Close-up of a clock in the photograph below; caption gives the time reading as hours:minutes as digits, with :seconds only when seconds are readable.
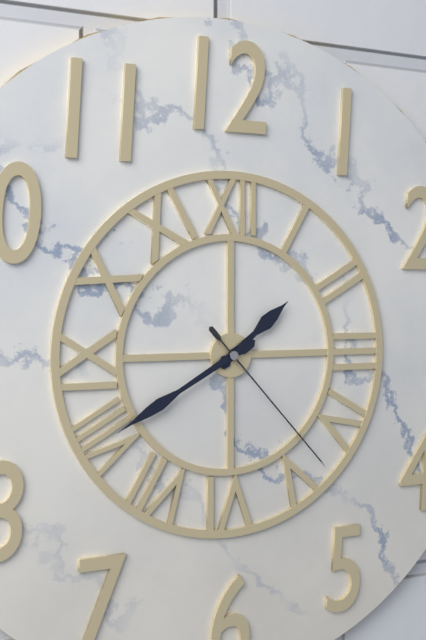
1:40:23
